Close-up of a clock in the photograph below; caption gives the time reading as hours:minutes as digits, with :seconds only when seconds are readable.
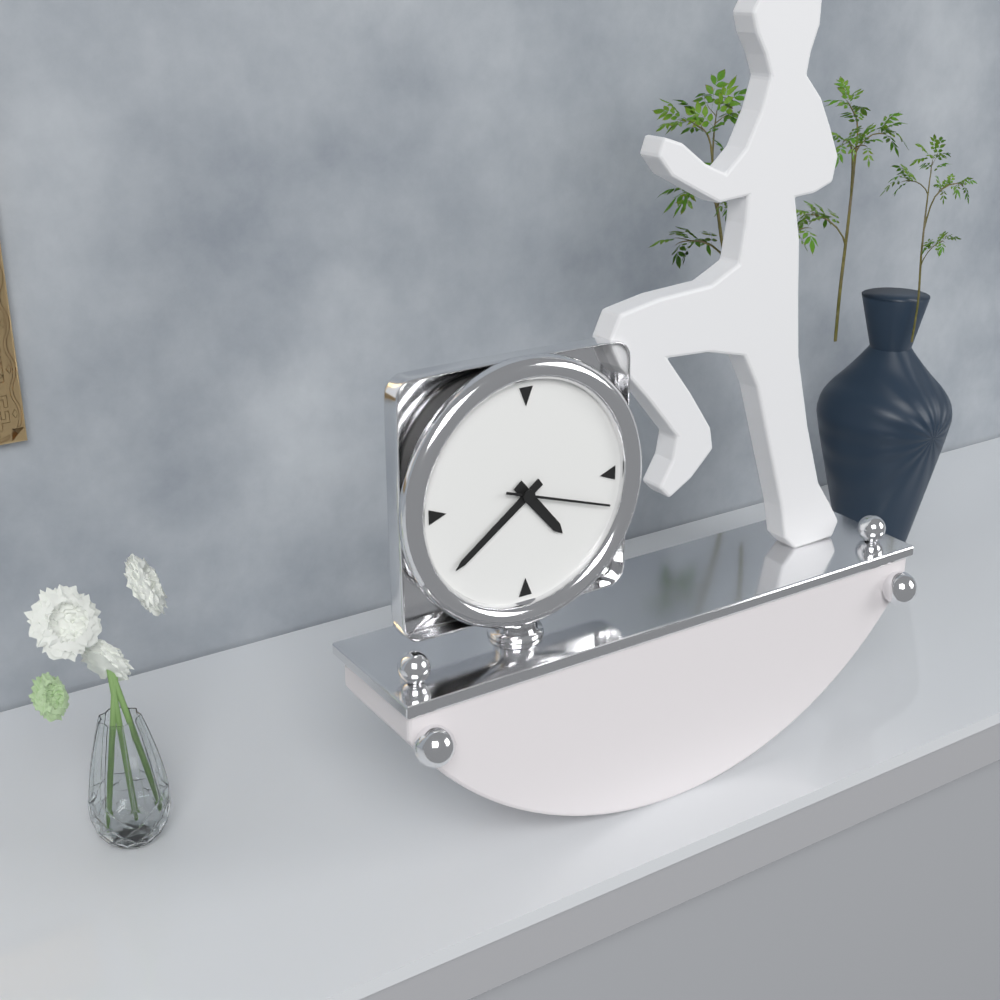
4:39:18
